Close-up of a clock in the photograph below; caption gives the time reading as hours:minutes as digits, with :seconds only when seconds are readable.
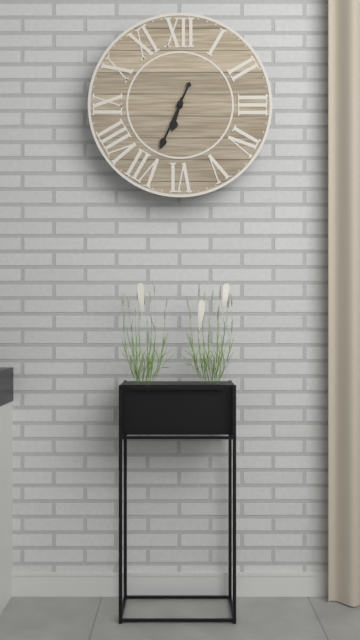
6:34
